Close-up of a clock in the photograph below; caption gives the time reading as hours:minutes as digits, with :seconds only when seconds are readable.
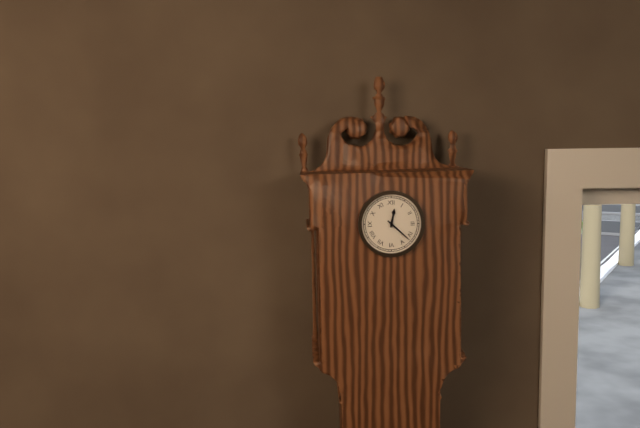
12:22
